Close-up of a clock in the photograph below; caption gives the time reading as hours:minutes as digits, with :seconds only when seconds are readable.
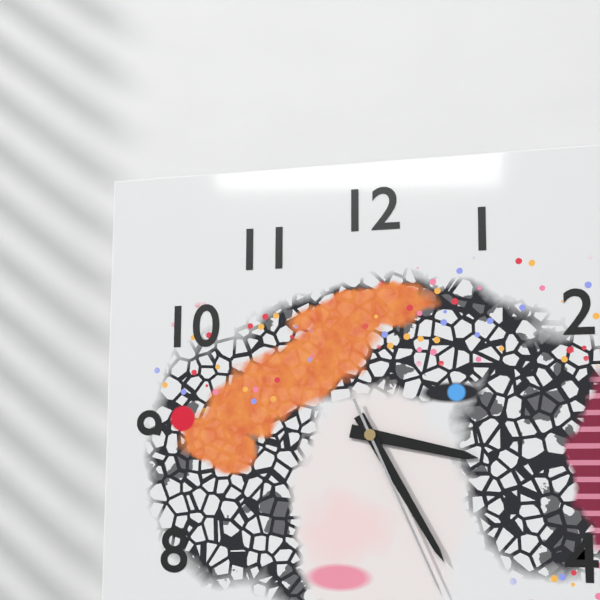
3:25:26
